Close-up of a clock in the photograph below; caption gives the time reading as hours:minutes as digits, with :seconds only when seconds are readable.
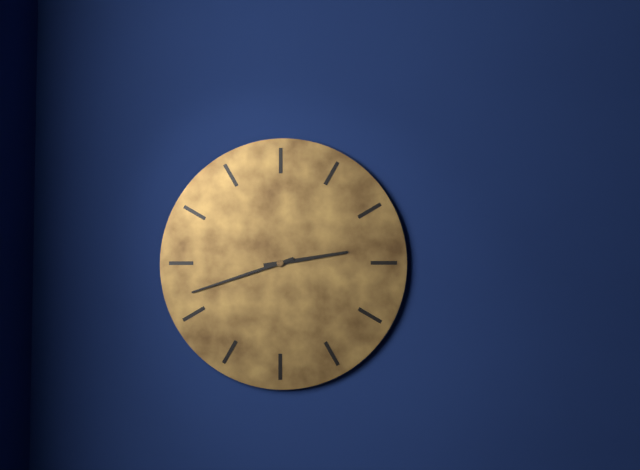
2:42
